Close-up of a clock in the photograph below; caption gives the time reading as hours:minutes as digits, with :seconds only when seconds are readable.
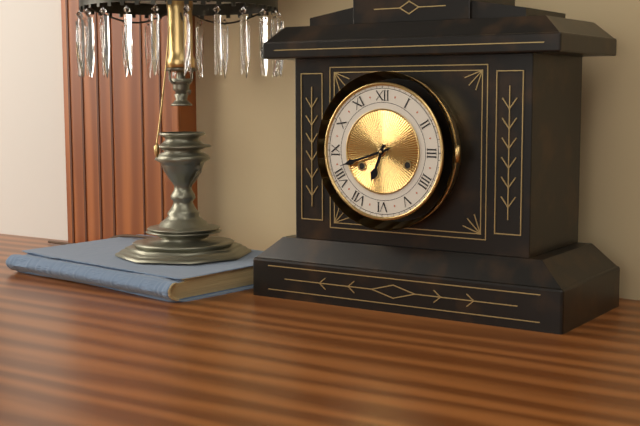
6:42
